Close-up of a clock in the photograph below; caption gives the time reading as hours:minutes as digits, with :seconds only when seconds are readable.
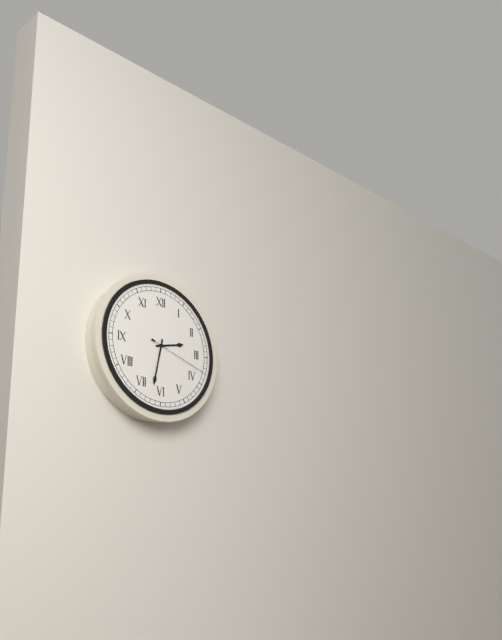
2:32:18
